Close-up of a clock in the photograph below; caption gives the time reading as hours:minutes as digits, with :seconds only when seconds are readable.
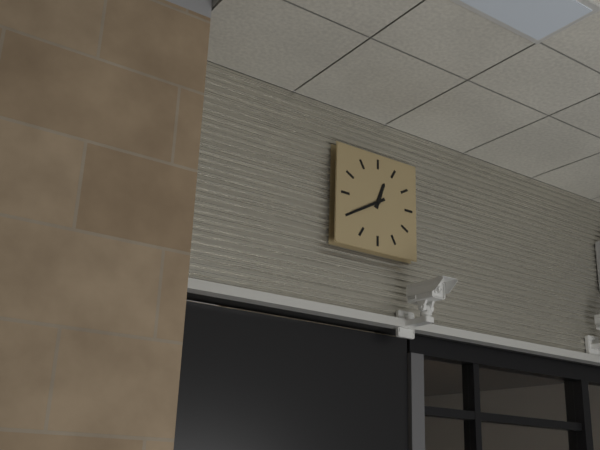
12:40
